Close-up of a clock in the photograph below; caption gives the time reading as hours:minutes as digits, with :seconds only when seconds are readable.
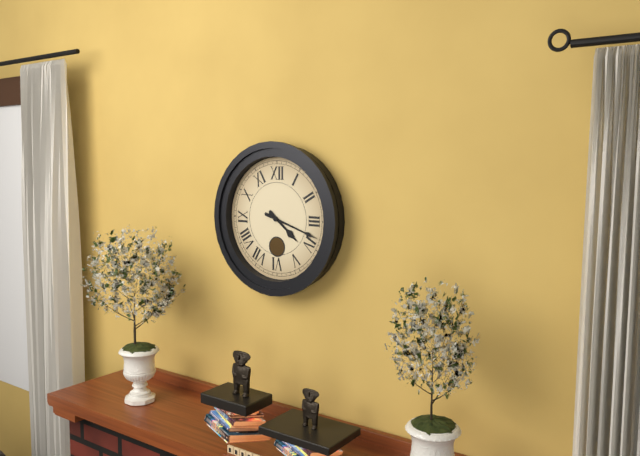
4:18
